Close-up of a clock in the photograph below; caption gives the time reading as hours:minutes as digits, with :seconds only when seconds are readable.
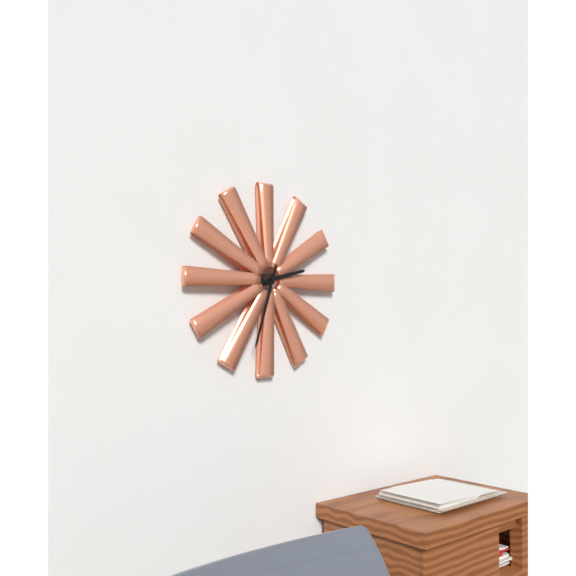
2:33
